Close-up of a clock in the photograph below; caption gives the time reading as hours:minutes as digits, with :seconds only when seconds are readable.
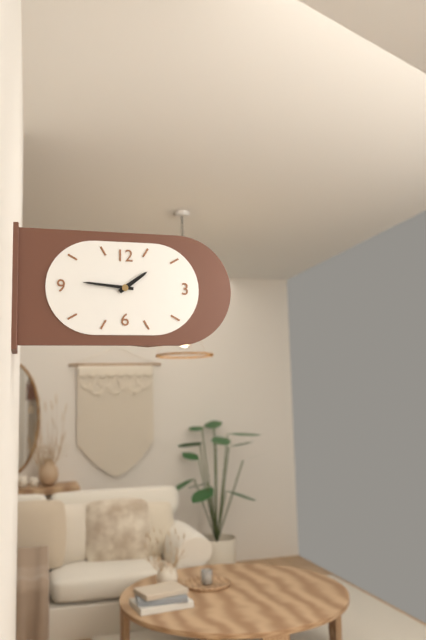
1:46
